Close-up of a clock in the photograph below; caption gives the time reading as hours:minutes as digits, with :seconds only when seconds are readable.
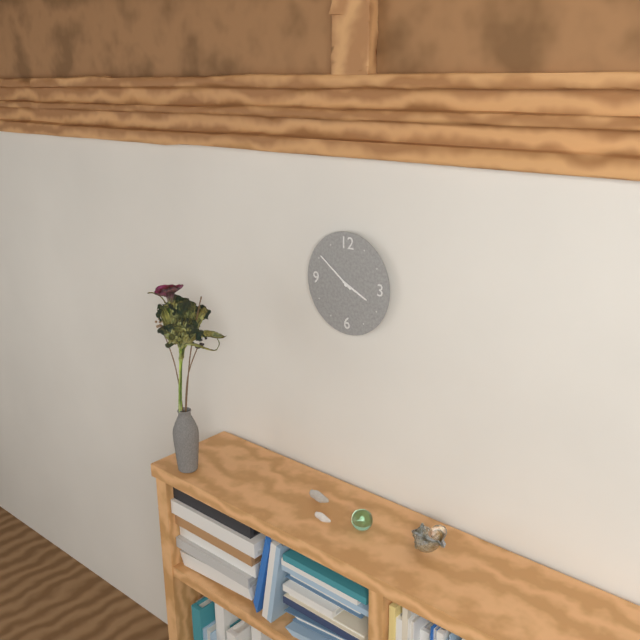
3:51
